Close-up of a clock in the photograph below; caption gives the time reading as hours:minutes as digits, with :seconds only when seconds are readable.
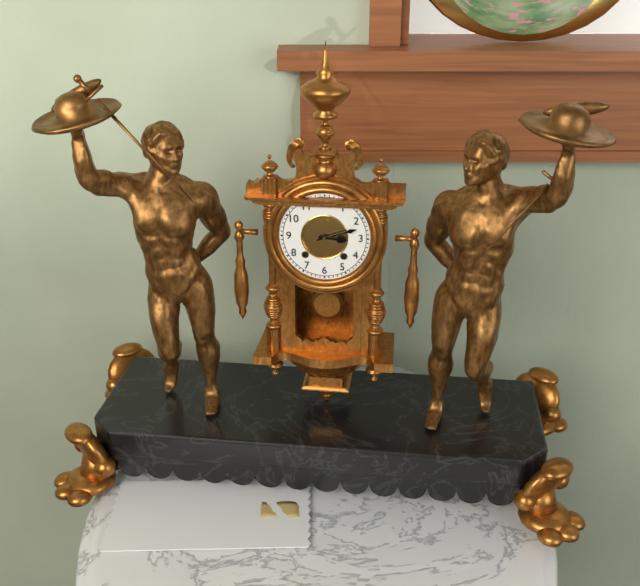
3:12
